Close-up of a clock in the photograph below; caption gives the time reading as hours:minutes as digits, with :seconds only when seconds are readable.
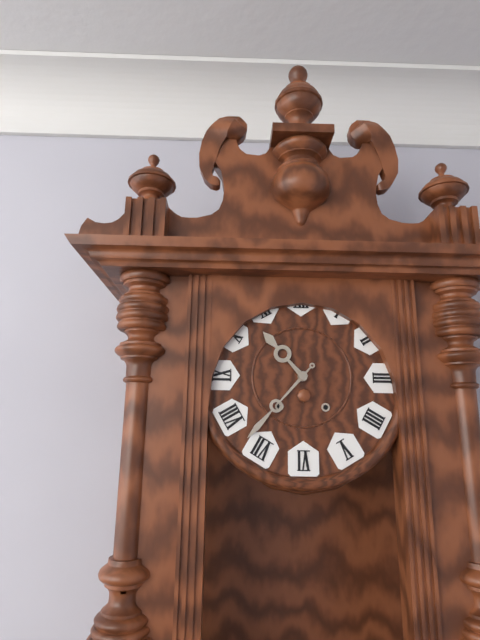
10:37
